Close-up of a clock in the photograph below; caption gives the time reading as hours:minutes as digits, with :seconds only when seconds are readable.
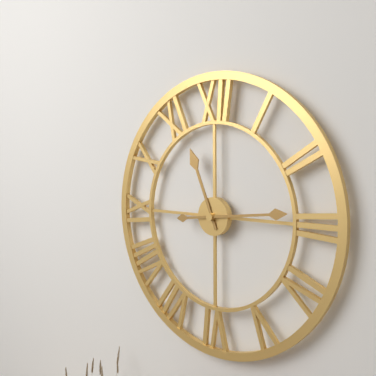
11:14
